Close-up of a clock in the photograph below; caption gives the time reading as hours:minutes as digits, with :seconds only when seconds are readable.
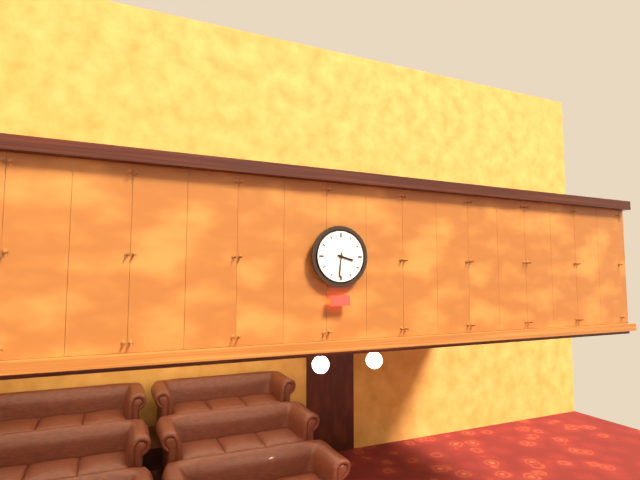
3:31
